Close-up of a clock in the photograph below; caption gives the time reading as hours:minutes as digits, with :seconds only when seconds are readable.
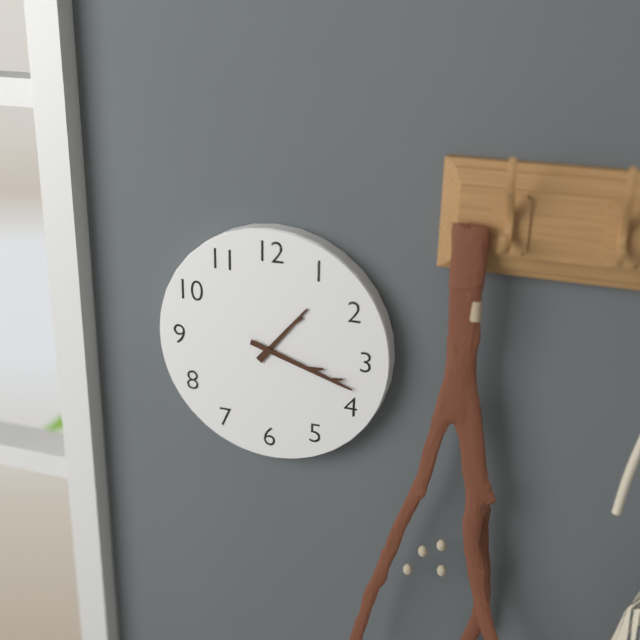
1:18
